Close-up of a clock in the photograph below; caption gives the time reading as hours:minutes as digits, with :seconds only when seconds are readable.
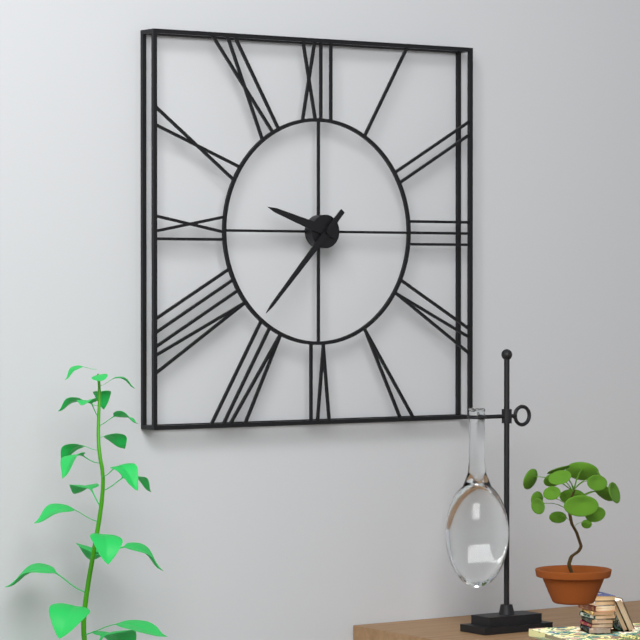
9:37
